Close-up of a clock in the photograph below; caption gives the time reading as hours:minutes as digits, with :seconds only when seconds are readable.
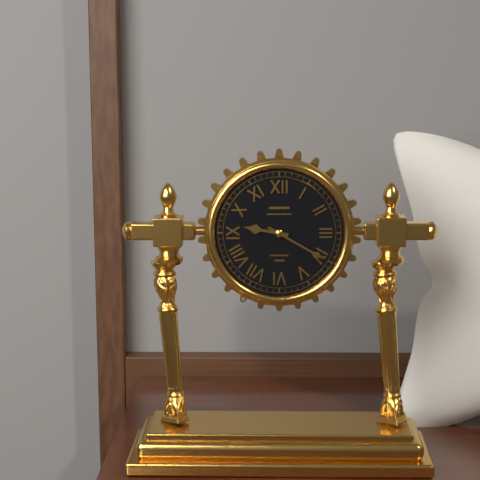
9:20
